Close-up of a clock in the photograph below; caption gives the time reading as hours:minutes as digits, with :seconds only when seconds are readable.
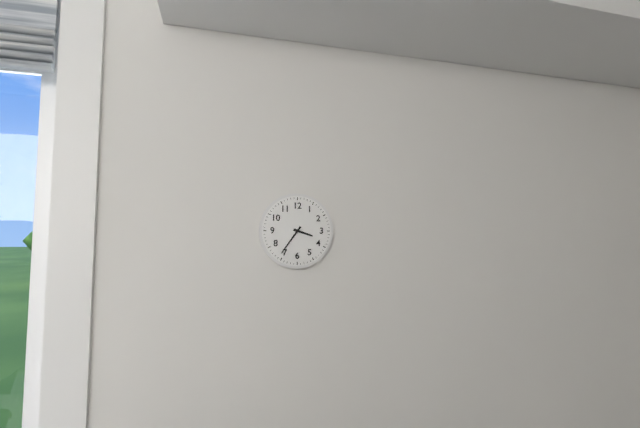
3:36
